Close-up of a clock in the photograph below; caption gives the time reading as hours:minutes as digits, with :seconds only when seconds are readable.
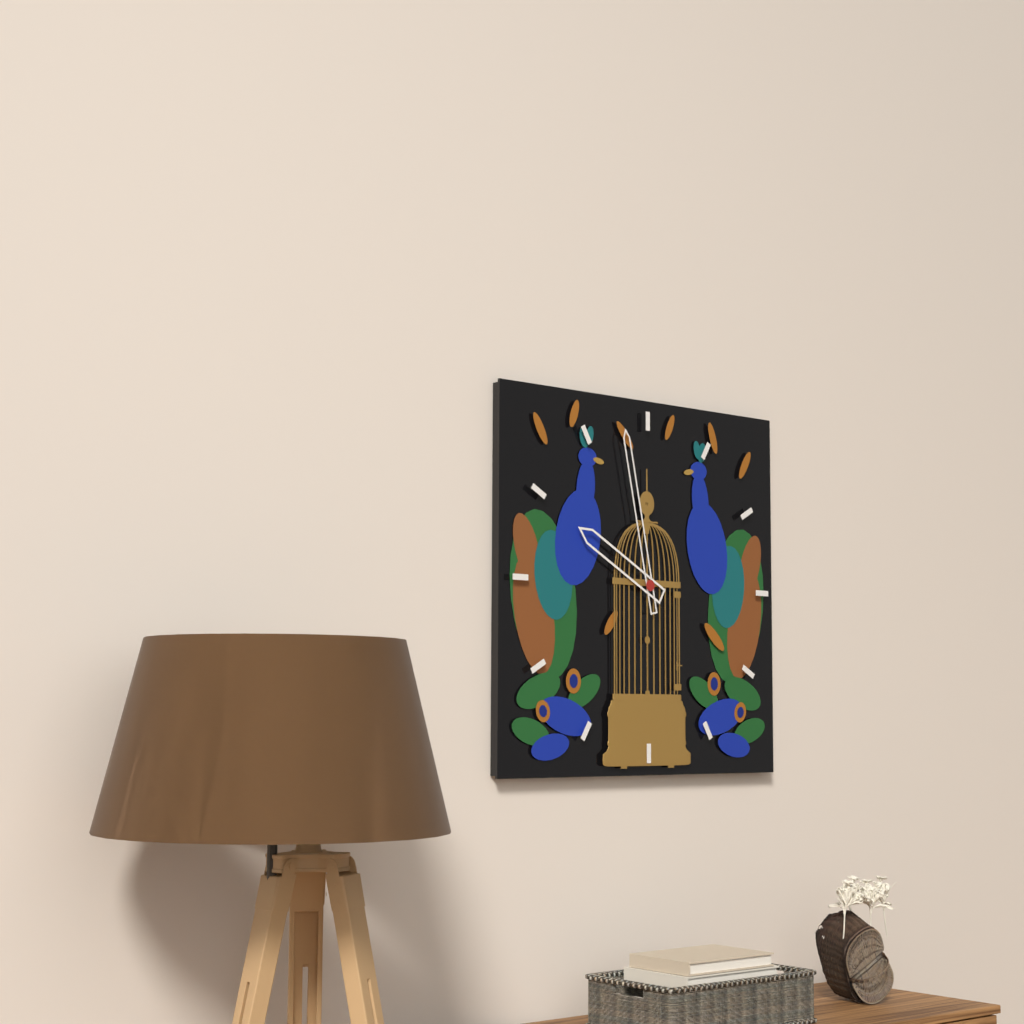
9:58
